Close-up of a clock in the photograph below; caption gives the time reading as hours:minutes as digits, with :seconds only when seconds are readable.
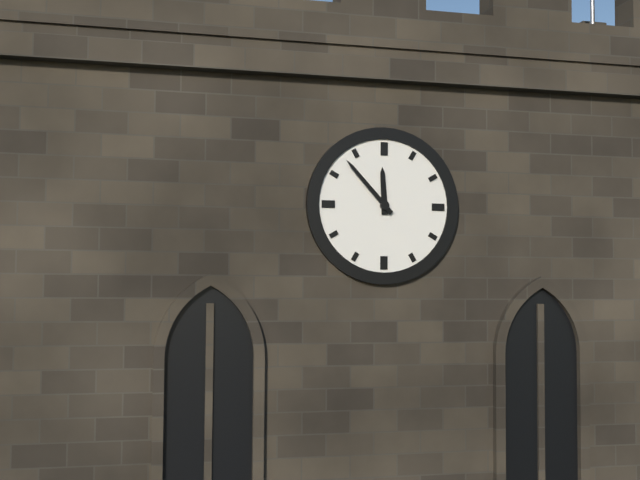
11:53
